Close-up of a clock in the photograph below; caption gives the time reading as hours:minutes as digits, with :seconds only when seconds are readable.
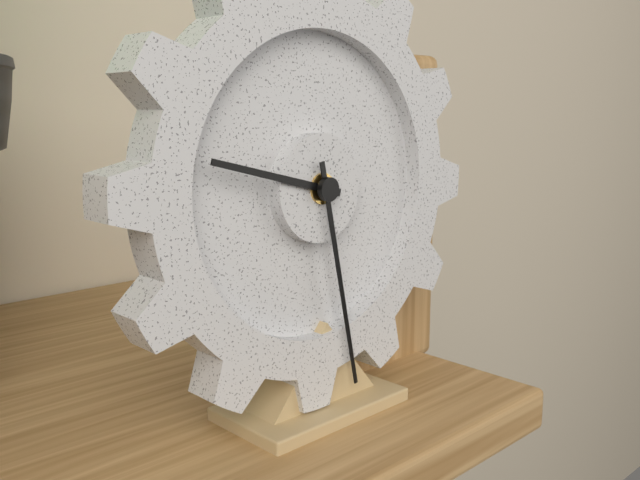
9:28
